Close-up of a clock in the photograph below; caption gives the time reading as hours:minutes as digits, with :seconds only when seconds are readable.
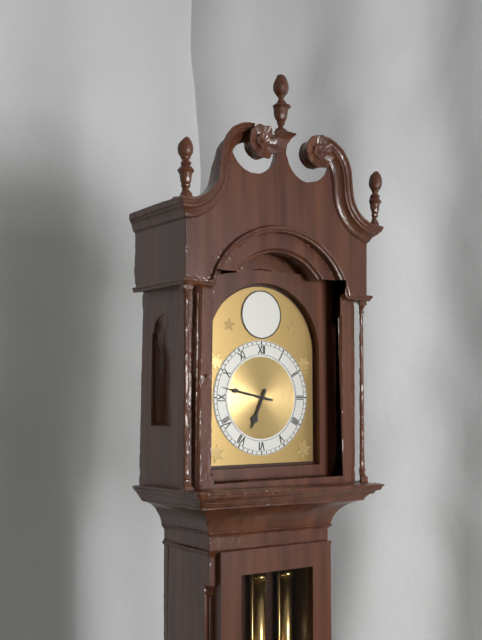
6:47
